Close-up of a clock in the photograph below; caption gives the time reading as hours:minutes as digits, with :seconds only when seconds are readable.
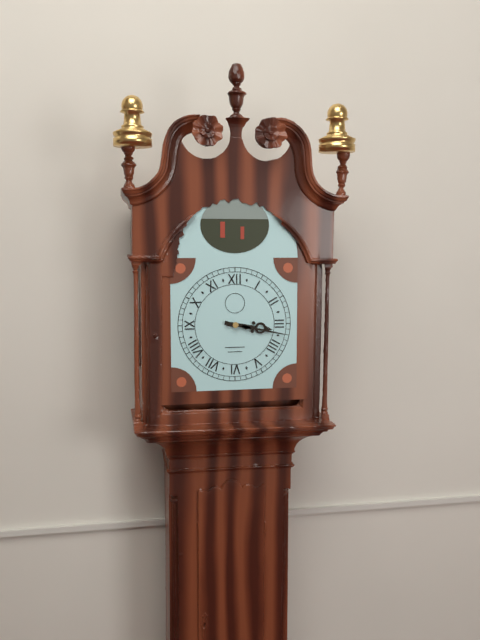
3:17
